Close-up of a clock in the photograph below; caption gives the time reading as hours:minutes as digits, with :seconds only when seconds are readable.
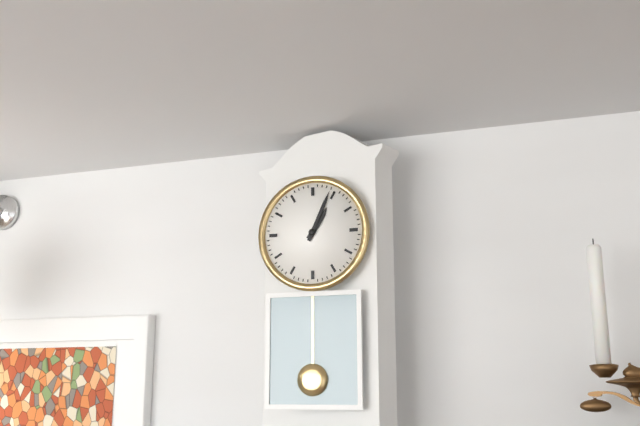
1:04
